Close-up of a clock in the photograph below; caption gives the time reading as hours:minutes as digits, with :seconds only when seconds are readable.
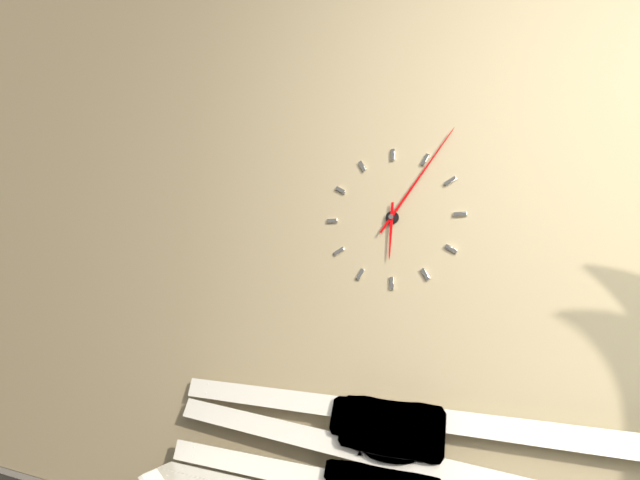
6:06
